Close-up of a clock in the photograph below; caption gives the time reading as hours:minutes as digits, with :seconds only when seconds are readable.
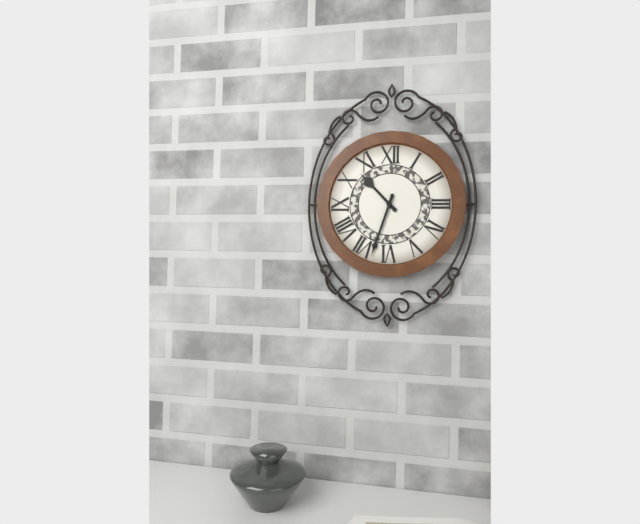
10:33
